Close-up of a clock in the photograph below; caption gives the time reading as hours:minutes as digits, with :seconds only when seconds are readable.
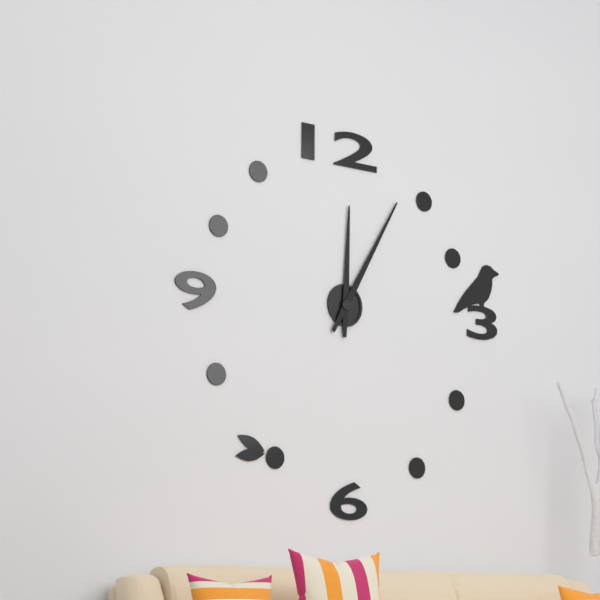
12:05
